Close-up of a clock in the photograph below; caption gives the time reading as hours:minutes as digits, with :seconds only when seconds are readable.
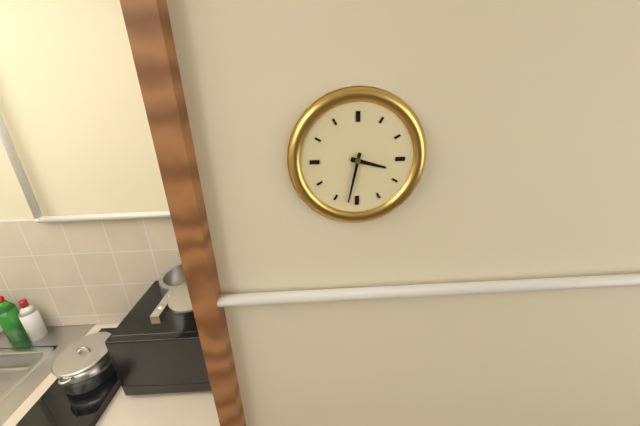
3:32
